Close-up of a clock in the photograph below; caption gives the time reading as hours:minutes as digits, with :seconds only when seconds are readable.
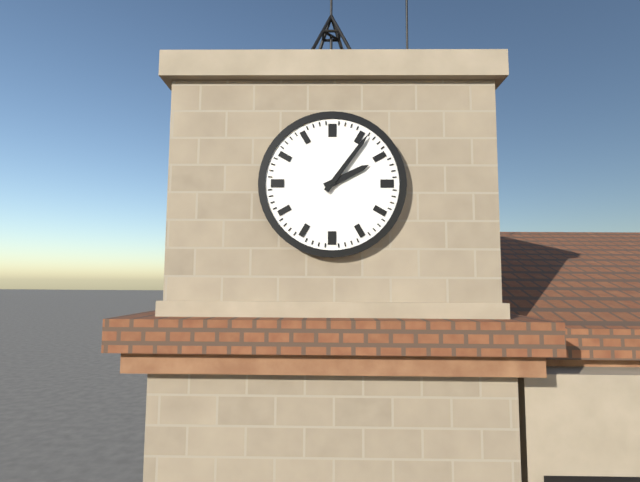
2:06
